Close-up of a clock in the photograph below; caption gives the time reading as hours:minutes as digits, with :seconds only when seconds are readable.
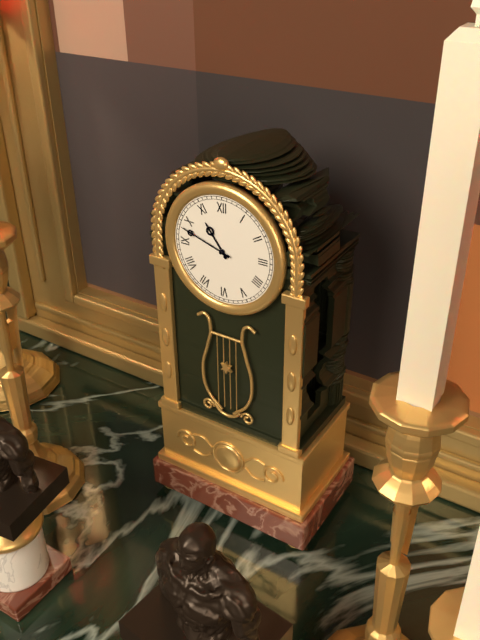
10:48
